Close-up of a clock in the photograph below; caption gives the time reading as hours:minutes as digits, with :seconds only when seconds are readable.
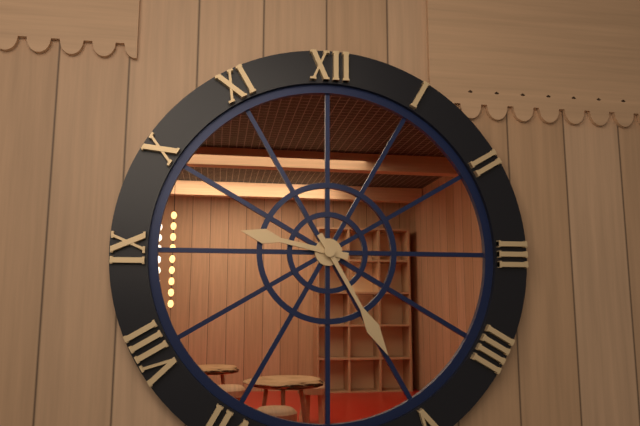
9:25
